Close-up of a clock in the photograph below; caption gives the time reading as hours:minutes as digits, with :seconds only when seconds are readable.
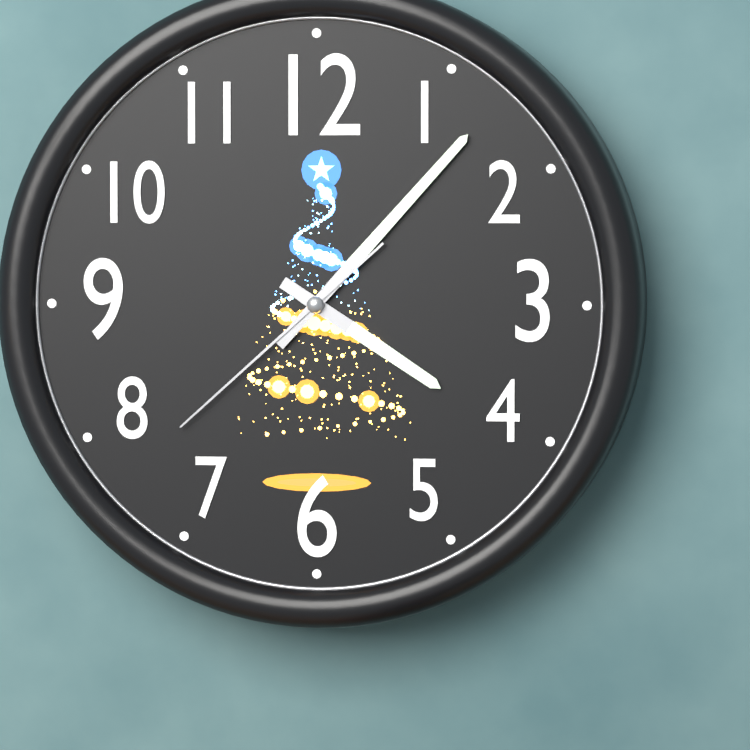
4:07:38
